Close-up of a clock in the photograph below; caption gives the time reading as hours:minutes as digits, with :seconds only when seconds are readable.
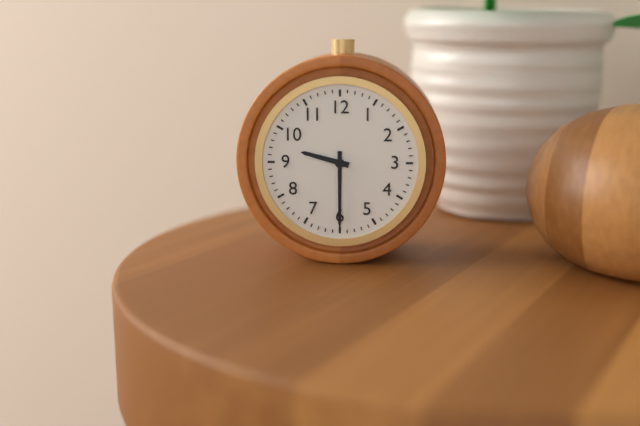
9:30
